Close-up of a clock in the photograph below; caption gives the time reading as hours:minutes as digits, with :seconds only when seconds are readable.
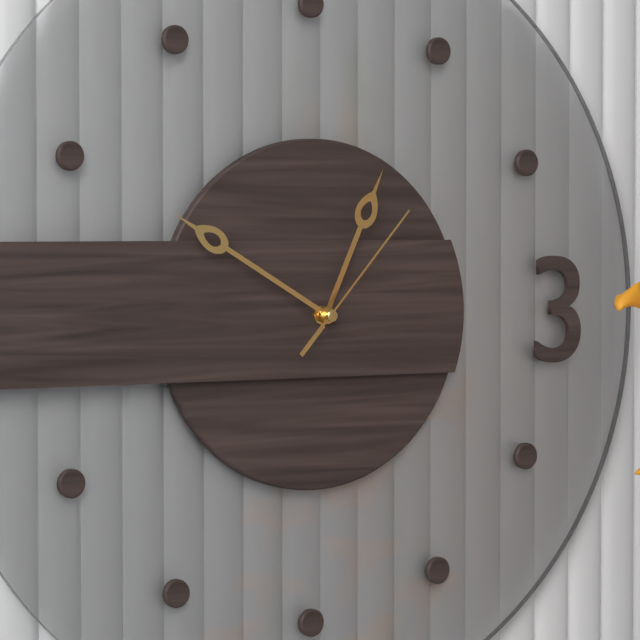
12:50:07
